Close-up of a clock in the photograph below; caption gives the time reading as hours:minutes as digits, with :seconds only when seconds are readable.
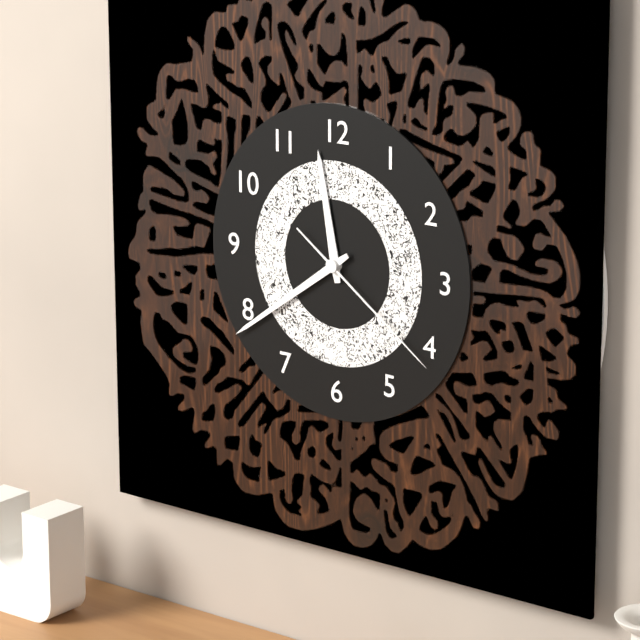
11:39:21
